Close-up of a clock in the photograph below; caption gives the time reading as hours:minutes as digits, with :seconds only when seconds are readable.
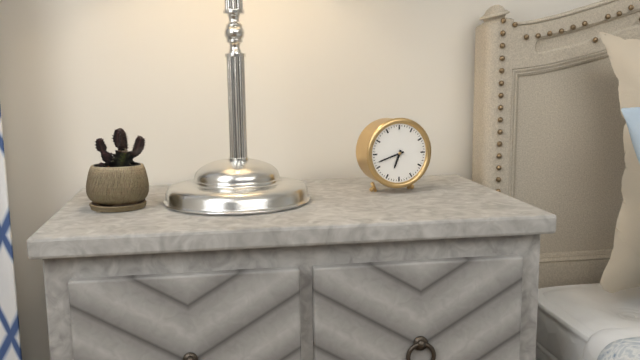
6:42
